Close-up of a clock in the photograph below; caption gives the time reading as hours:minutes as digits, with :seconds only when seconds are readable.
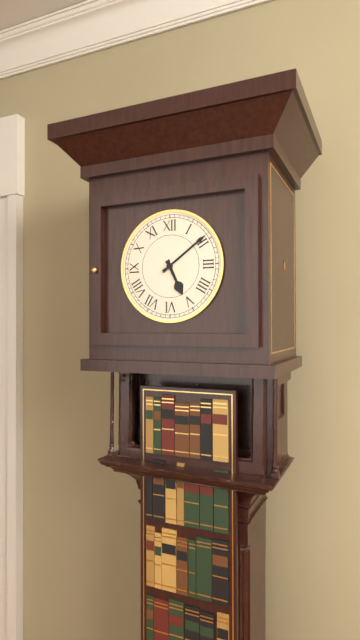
5:09
